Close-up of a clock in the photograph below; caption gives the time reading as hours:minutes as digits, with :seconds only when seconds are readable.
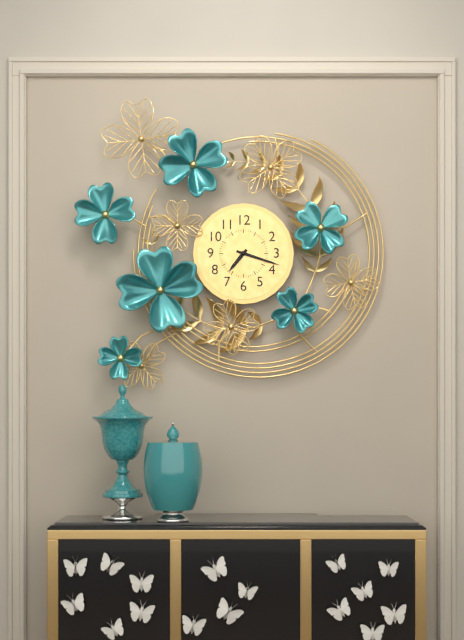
7:18
